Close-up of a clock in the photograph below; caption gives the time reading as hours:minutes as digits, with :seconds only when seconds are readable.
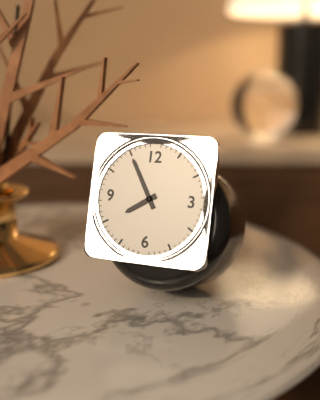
7:55
